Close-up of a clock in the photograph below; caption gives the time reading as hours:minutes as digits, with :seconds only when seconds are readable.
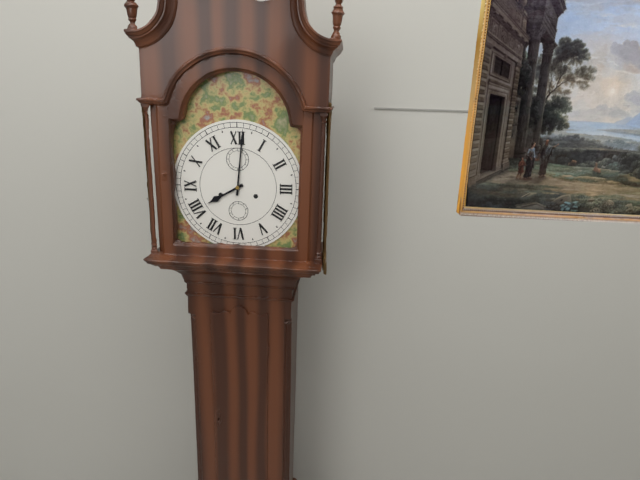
8:01
